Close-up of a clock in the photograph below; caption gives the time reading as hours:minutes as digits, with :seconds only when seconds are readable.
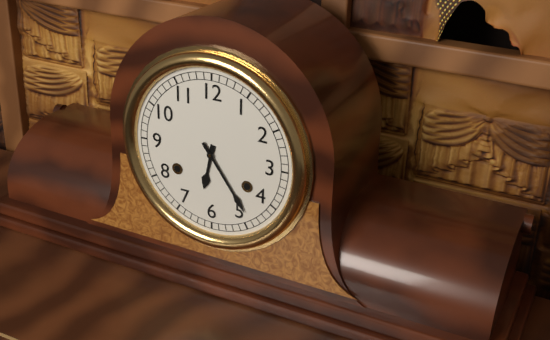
6:24
